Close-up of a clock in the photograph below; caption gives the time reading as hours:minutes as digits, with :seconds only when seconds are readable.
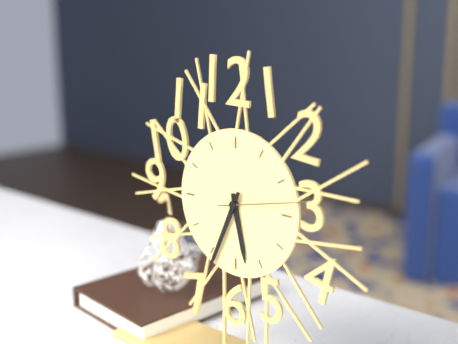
5:34:13
